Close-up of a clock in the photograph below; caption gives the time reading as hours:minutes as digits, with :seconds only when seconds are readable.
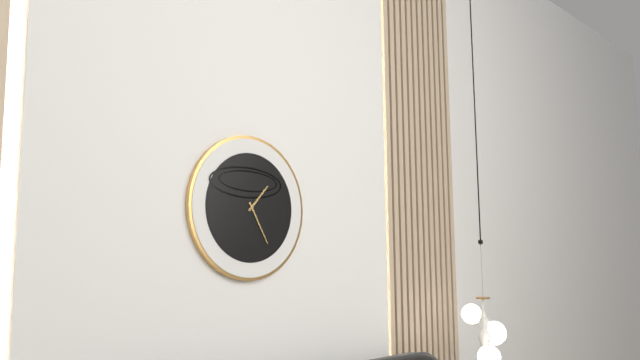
1:25
